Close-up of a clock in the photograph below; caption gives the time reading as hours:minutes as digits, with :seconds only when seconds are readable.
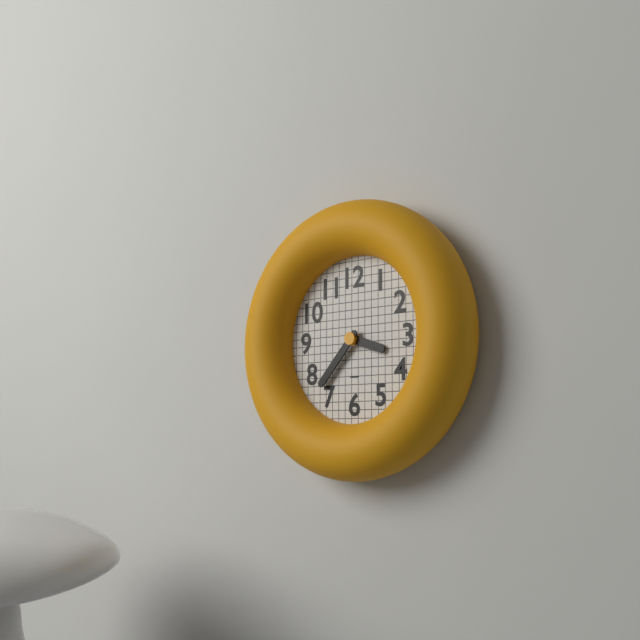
3:37
